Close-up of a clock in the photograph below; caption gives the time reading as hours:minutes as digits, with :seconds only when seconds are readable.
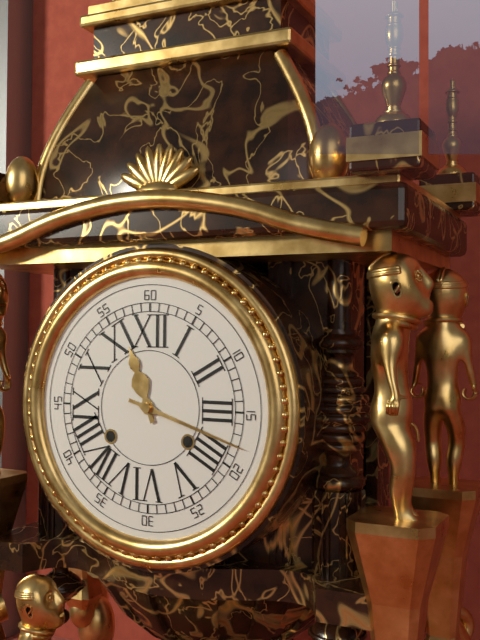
11:18
